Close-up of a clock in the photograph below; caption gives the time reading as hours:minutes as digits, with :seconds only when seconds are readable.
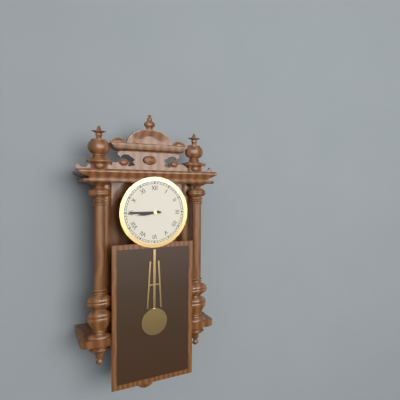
8:45
